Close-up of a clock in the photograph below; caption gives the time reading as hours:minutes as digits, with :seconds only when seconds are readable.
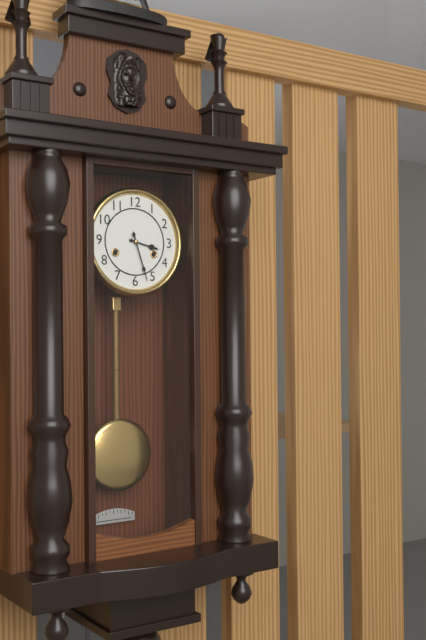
3:27
